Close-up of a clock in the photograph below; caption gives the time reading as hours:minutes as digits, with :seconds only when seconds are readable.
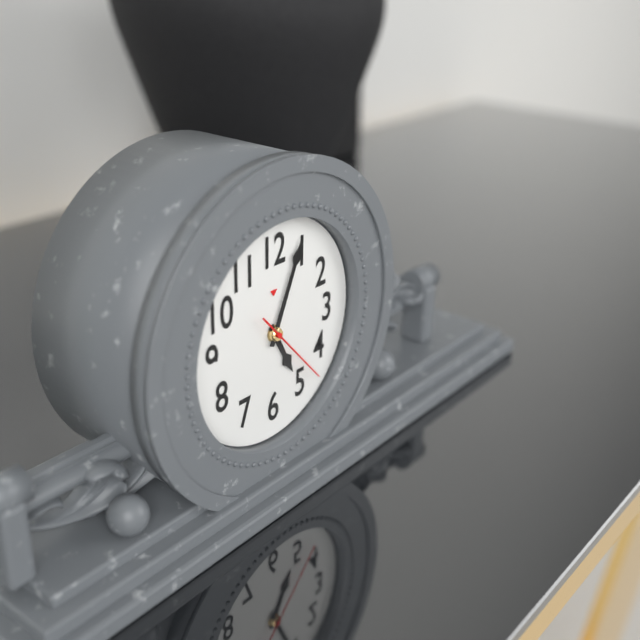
5:04:23
